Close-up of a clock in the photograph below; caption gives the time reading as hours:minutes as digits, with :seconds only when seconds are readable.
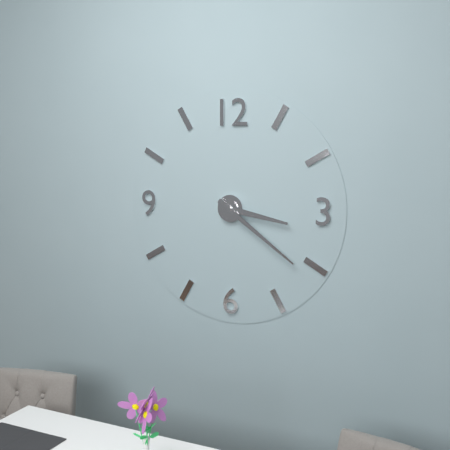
3:21
